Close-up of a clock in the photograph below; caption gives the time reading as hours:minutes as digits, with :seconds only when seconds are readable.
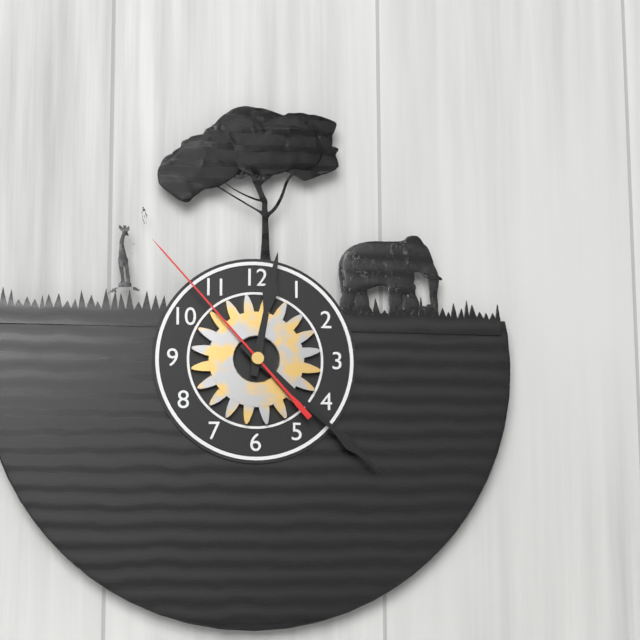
12:22:53
